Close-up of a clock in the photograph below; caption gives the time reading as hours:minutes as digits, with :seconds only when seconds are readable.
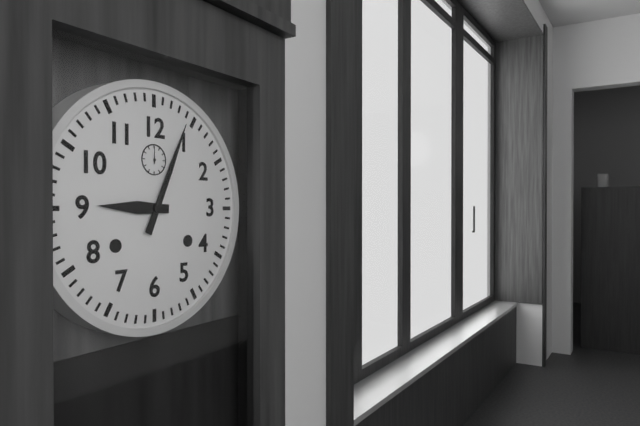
9:04
